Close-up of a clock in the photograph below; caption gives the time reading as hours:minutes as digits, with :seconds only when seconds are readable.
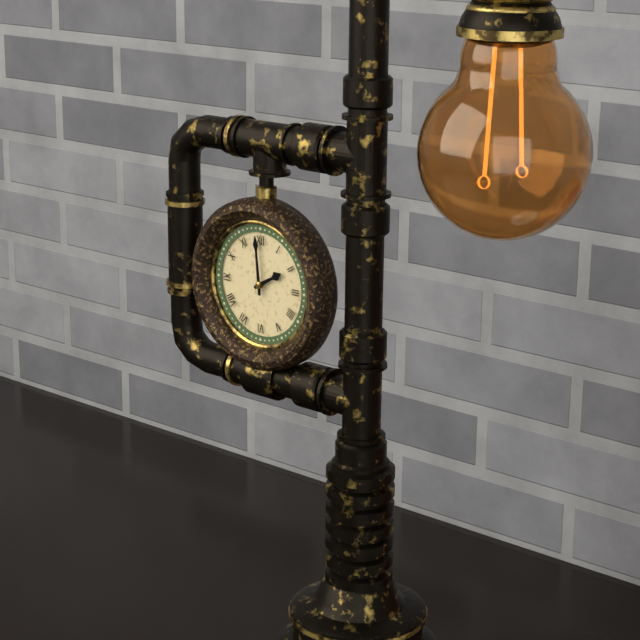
1:59
